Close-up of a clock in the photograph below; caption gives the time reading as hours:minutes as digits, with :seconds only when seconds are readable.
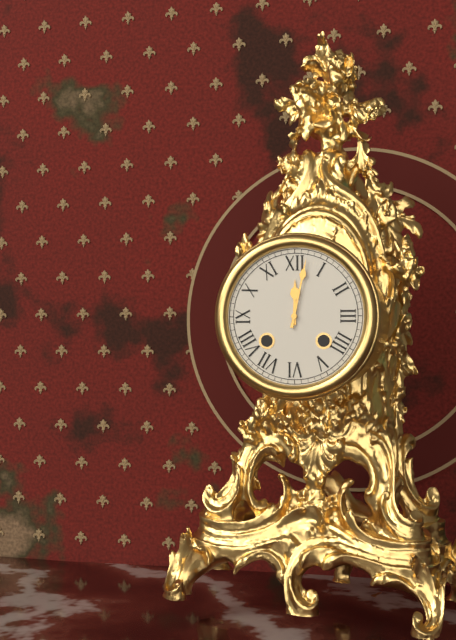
12:02
